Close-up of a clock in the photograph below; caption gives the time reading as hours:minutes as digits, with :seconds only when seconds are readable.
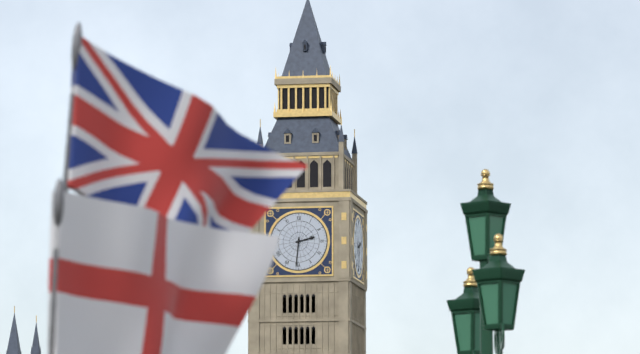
2:31
